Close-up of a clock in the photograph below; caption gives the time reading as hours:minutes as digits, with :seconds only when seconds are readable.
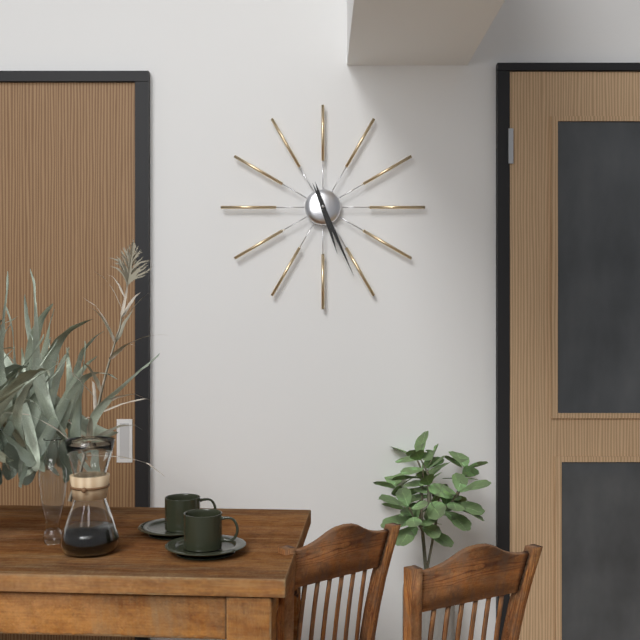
5:26
